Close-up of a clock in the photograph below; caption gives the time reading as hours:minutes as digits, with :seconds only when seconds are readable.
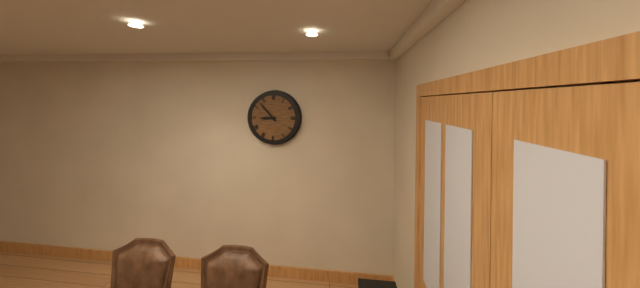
8:53
